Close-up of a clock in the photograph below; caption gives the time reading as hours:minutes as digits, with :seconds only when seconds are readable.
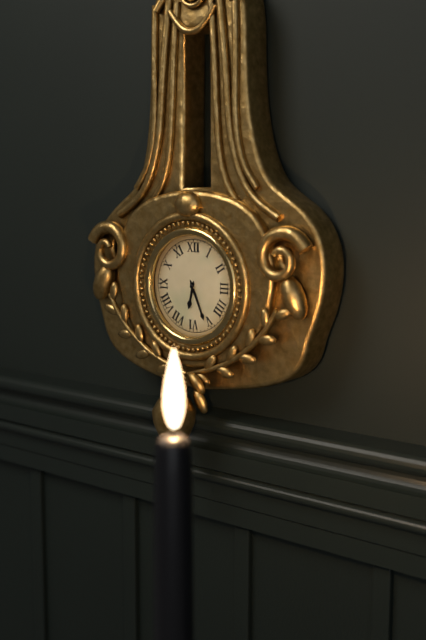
6:26
